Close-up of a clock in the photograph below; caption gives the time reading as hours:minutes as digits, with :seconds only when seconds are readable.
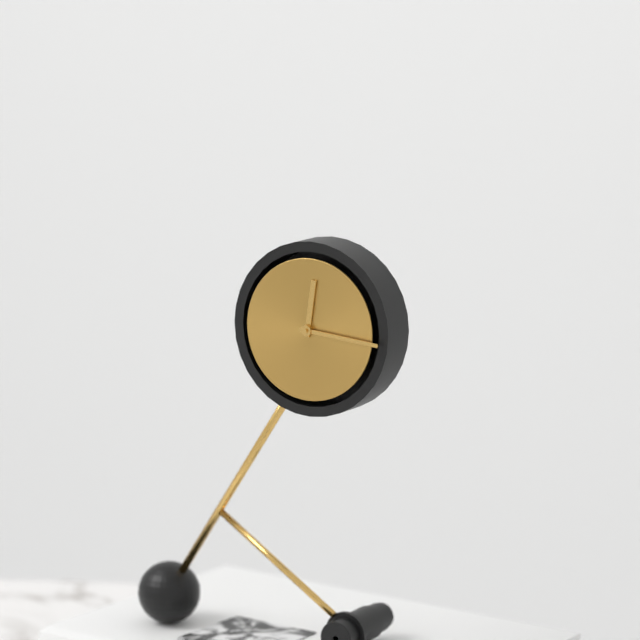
12:16
